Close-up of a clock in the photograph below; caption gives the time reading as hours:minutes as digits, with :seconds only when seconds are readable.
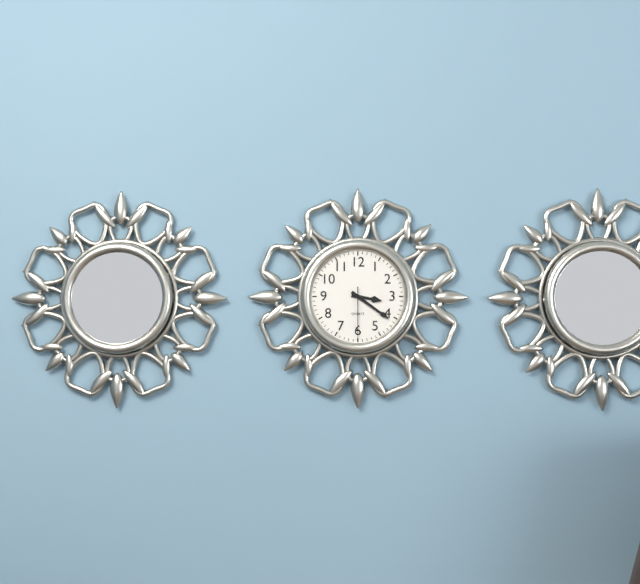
3:21:30
